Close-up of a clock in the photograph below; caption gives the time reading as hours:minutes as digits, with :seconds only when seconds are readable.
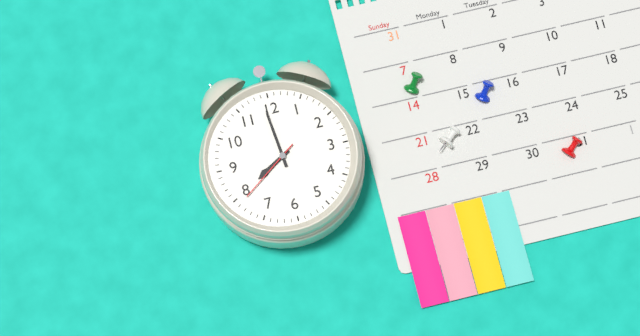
7:59:39
